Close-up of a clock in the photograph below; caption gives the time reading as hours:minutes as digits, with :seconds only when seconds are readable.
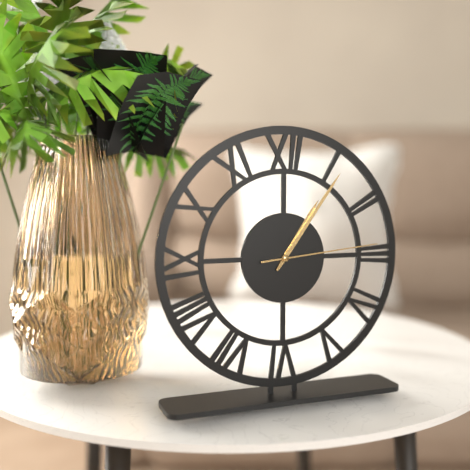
1:06:14
